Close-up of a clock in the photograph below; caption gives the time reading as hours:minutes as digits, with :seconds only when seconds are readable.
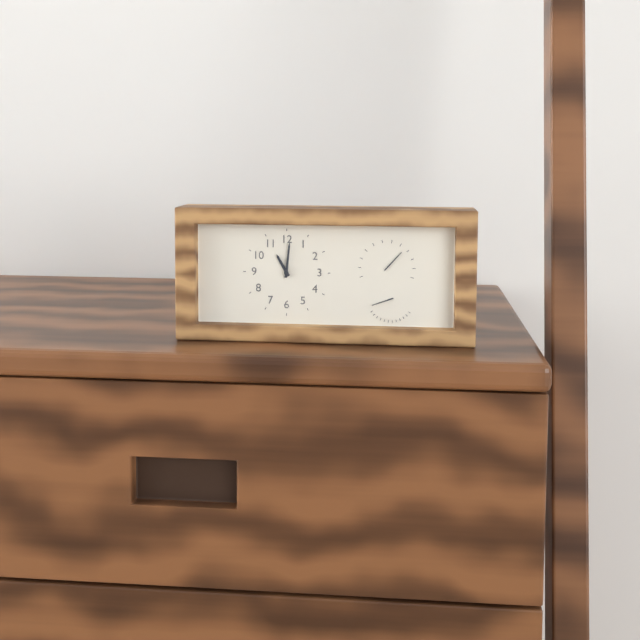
11:01
